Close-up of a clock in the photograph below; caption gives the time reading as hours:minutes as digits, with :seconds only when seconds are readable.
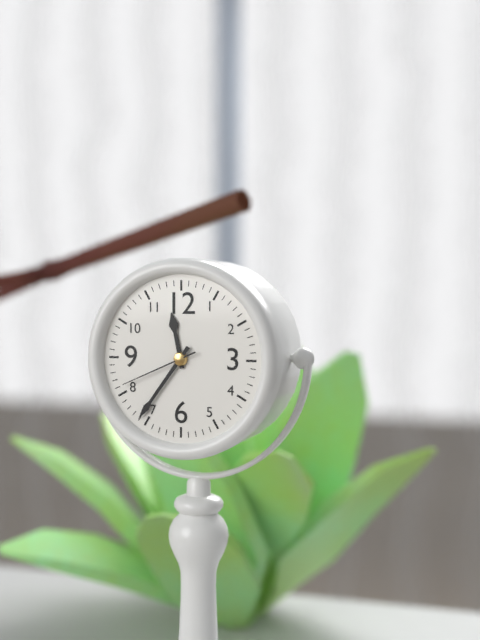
11:36:41
